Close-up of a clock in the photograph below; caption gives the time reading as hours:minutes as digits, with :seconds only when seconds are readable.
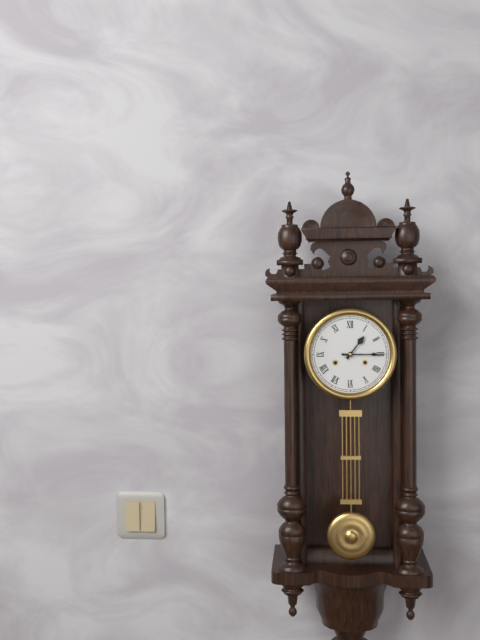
1:15
